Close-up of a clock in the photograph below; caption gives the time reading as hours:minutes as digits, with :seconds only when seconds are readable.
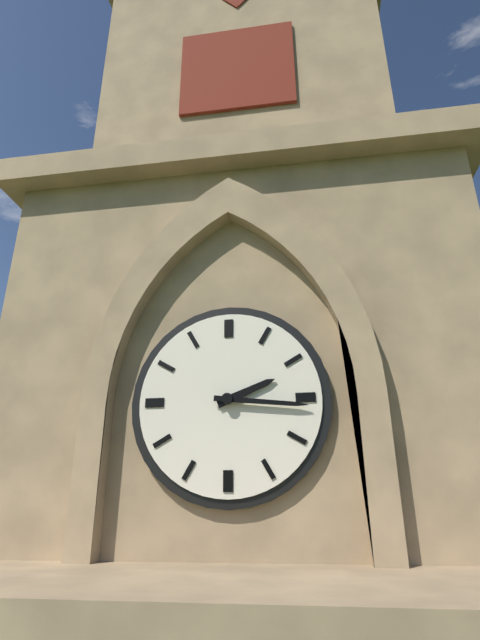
2:16
